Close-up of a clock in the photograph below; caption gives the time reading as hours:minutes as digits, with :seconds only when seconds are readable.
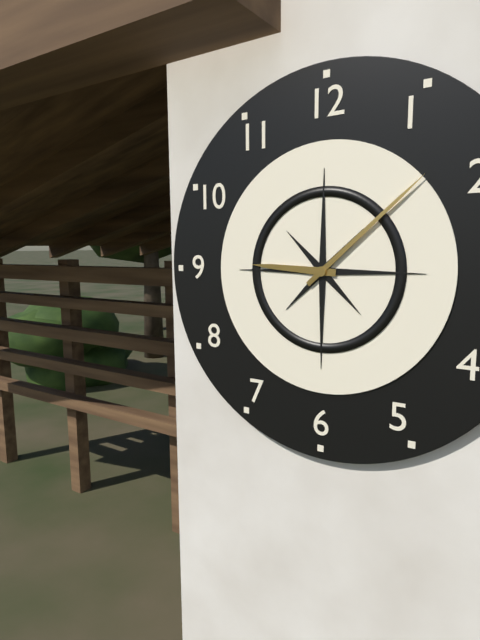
9:08
